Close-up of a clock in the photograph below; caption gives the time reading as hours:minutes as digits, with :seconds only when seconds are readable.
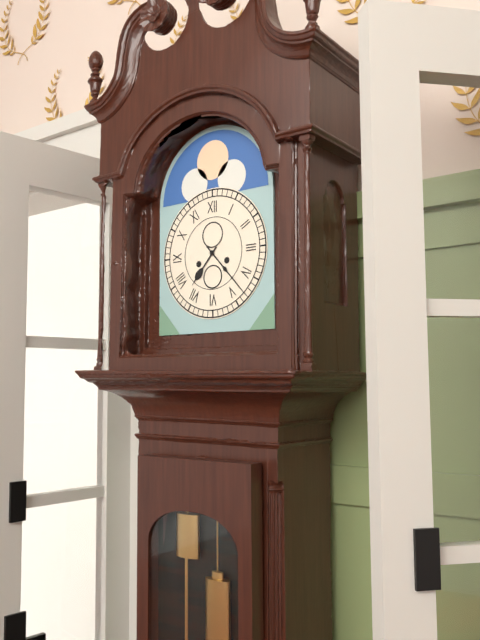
7:23
